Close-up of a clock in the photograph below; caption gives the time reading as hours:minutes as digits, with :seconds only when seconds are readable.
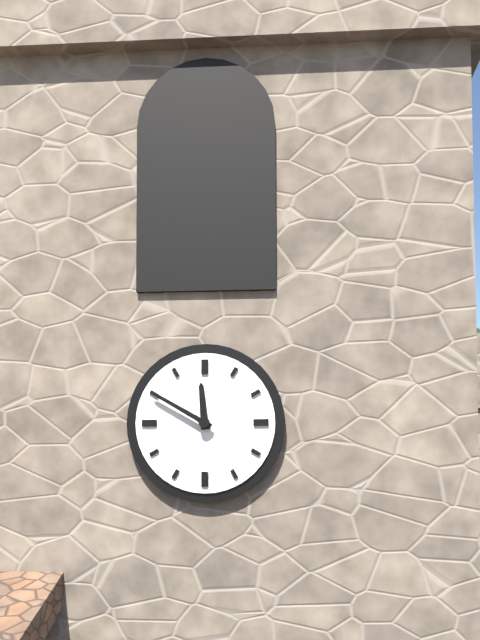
11:50
